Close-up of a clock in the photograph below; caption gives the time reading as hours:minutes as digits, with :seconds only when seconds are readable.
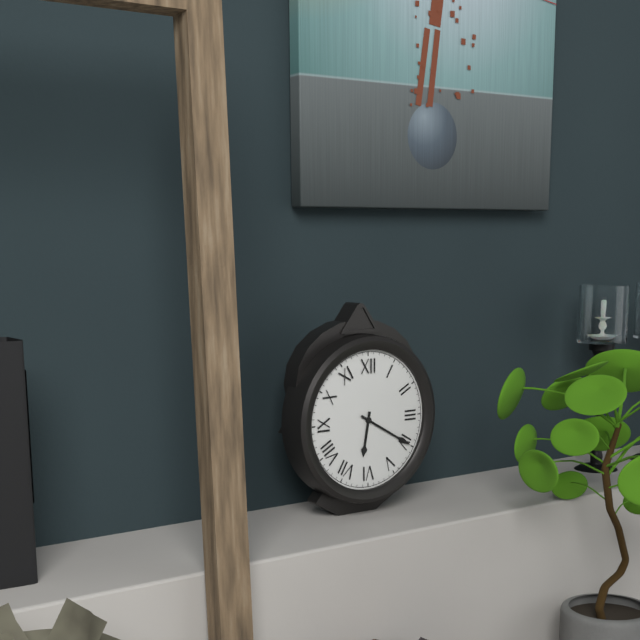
6:20
